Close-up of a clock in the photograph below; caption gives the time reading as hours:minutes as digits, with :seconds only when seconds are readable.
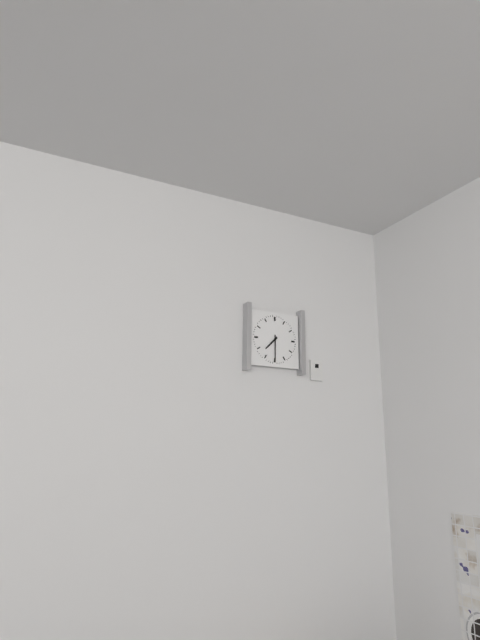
7:30
